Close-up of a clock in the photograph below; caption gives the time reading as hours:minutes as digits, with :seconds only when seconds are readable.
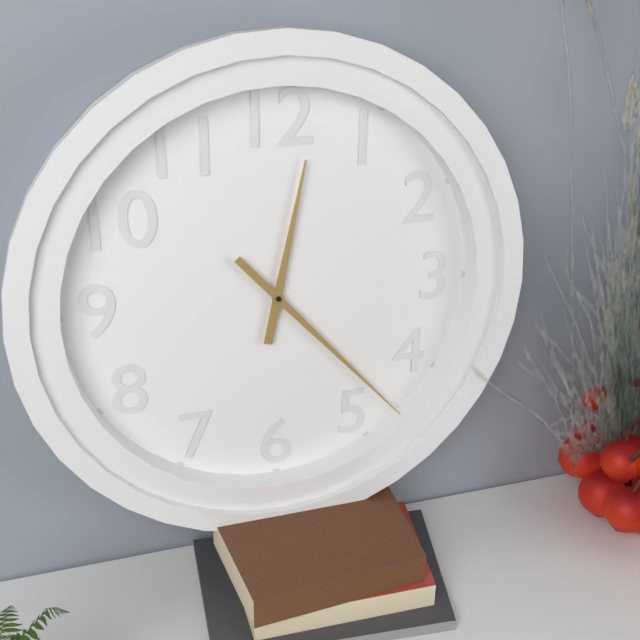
12:23
